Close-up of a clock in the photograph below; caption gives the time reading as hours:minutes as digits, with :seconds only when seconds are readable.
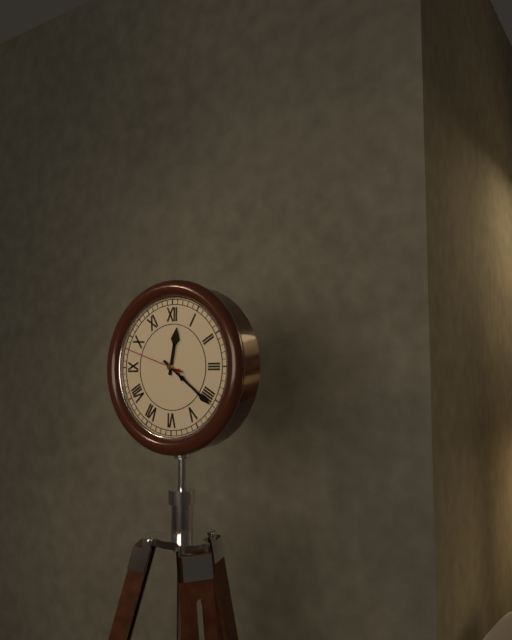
12:21:48
